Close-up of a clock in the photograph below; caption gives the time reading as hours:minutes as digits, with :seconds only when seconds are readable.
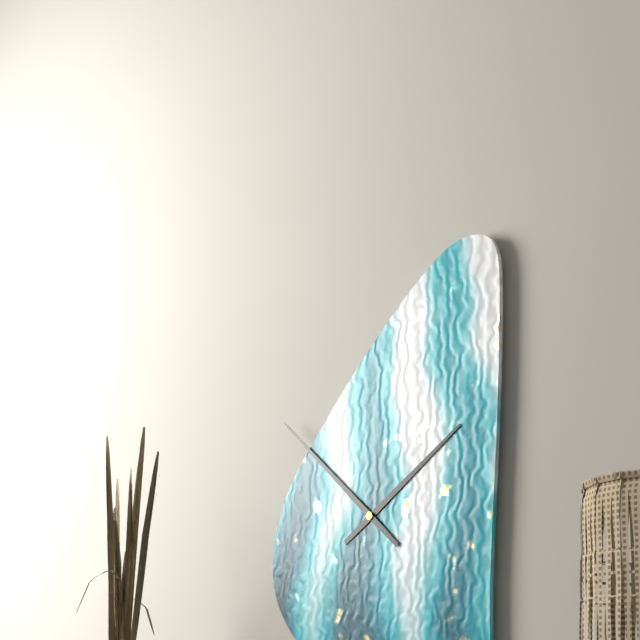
1:52
